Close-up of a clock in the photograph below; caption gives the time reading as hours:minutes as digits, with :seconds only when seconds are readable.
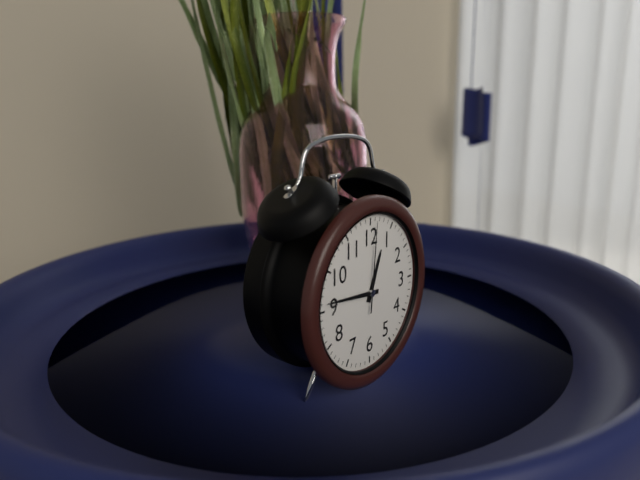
12:46:01
